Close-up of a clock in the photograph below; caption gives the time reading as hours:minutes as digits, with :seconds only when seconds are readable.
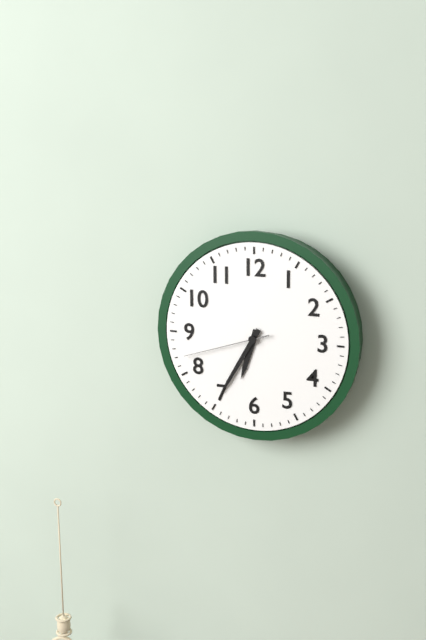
6:35:42
